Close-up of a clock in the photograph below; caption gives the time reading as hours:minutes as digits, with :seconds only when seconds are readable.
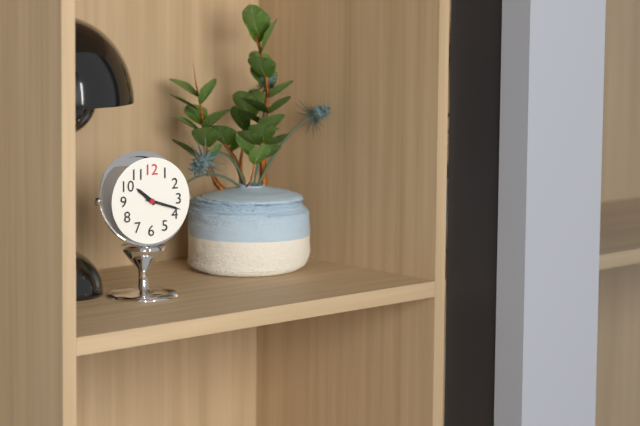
10:18
